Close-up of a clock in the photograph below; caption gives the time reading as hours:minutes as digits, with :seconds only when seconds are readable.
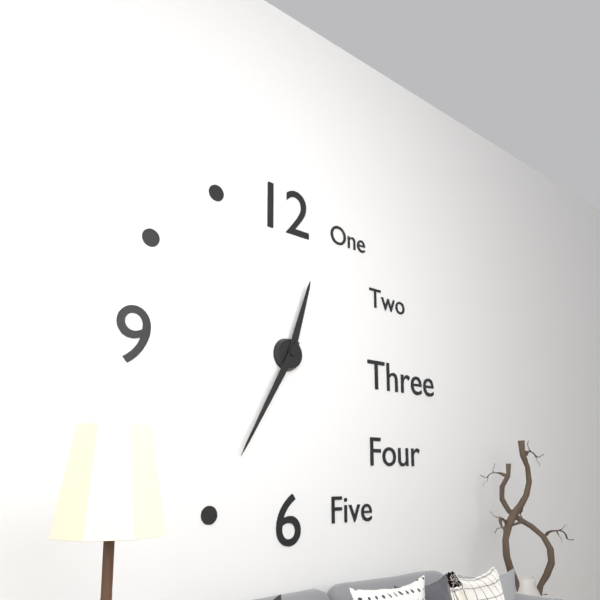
12:35
